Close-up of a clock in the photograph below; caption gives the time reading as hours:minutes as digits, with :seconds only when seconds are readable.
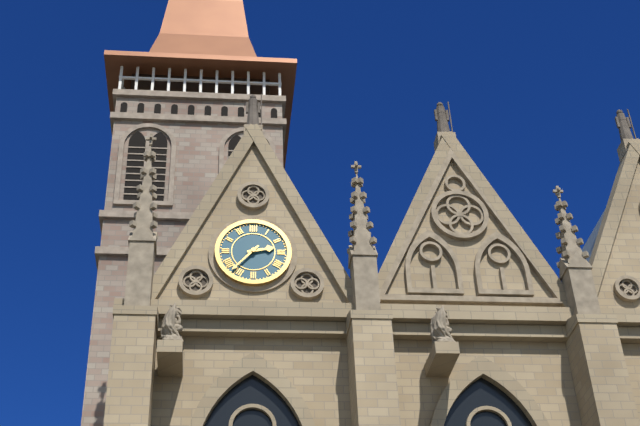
2:37
